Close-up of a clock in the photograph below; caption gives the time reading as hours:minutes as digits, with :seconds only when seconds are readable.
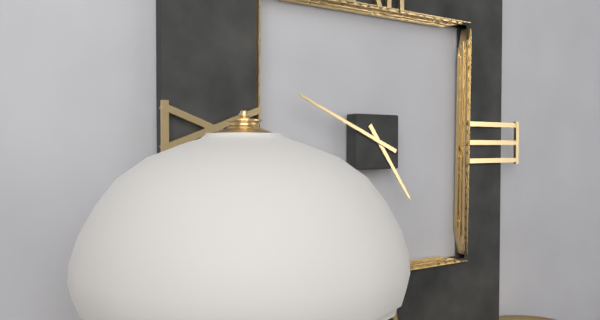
4:49
